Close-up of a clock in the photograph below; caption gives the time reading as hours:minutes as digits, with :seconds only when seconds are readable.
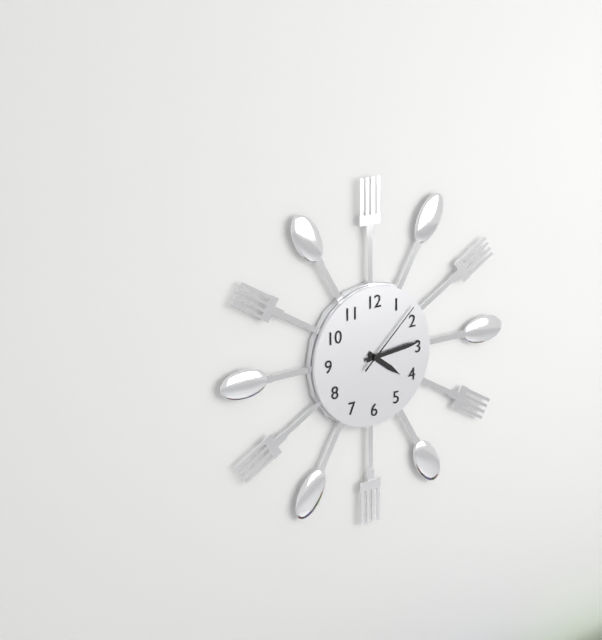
4:14:08
